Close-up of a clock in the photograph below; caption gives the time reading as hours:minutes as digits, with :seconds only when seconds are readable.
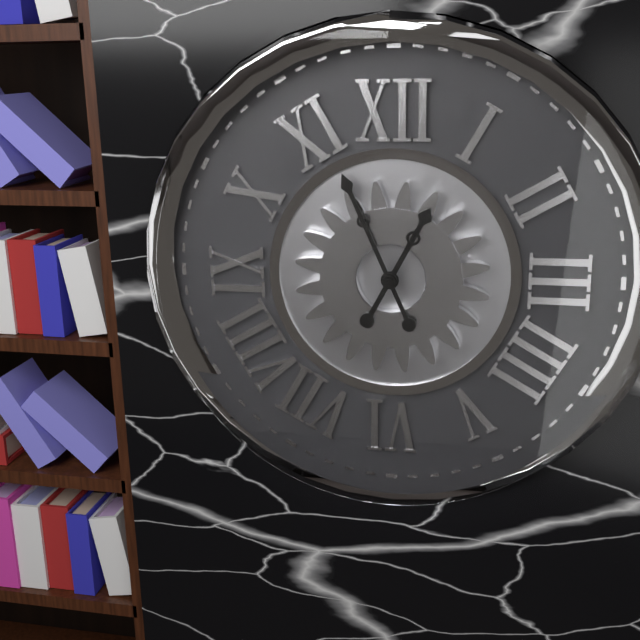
12:56
